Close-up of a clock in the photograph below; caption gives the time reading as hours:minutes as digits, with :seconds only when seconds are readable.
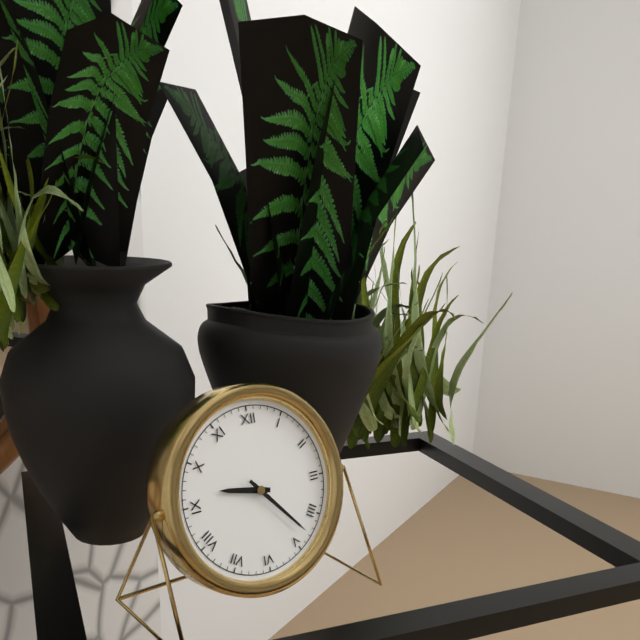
9:23
